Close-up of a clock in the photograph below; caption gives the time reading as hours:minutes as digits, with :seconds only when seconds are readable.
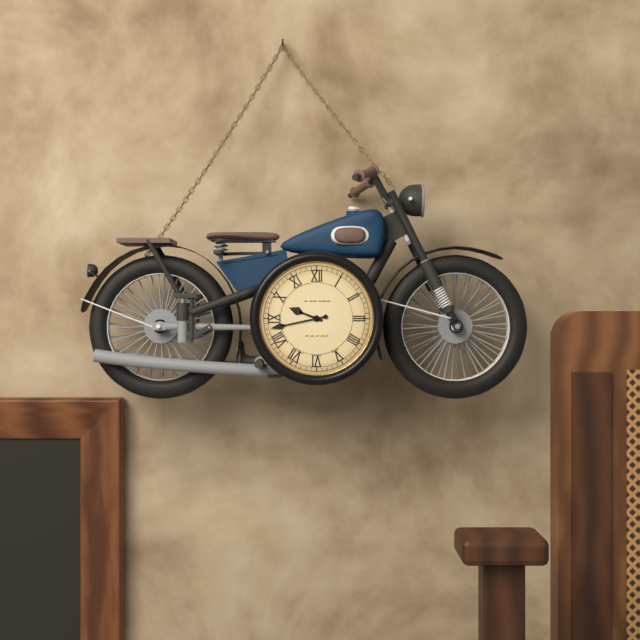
9:43
